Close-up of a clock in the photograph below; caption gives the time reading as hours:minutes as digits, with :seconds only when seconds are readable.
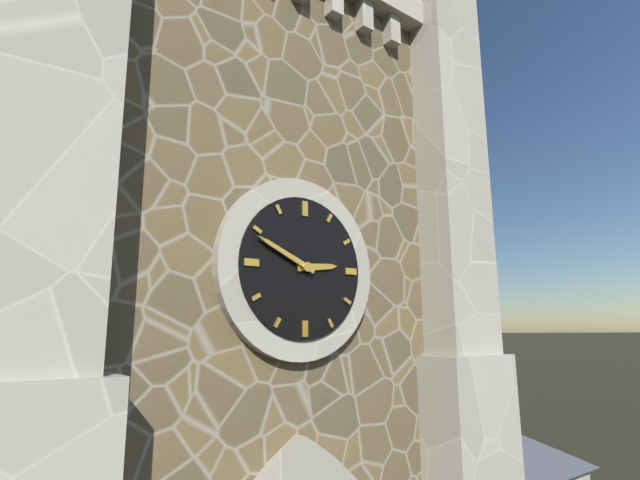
2:49
